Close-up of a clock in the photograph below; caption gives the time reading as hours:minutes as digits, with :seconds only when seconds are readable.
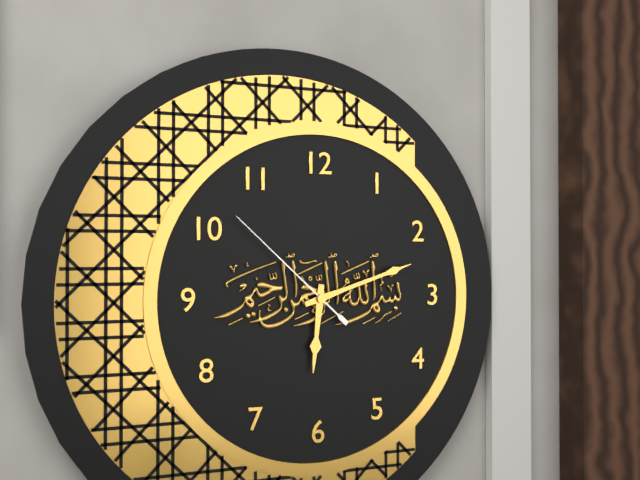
6:12:52
